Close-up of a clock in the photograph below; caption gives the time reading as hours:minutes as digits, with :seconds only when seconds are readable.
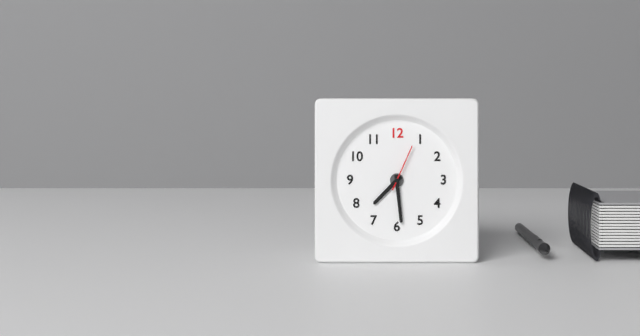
7:29
